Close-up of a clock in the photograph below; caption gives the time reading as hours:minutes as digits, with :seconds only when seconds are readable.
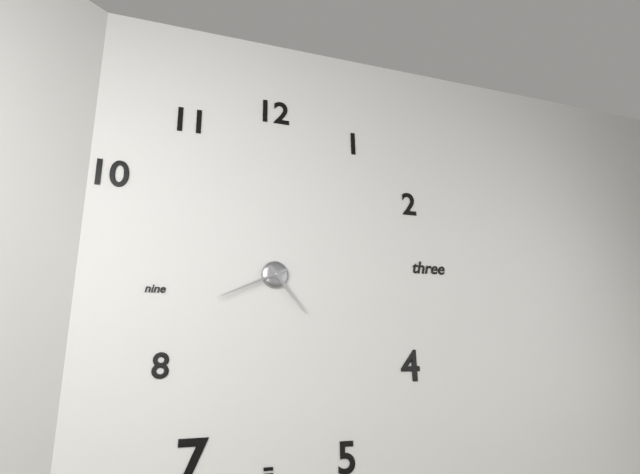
4:41
